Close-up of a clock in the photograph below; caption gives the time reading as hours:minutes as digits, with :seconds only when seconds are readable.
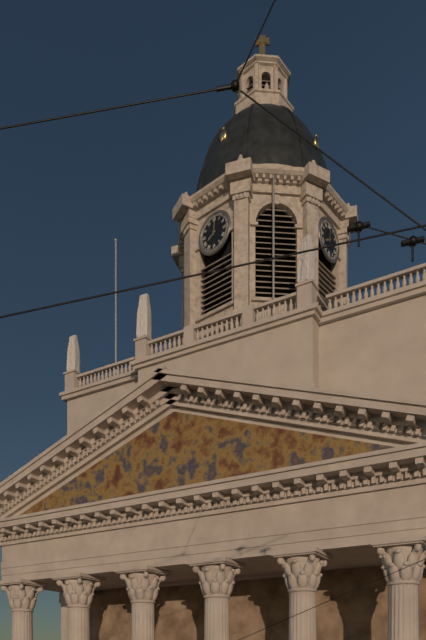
8:01
